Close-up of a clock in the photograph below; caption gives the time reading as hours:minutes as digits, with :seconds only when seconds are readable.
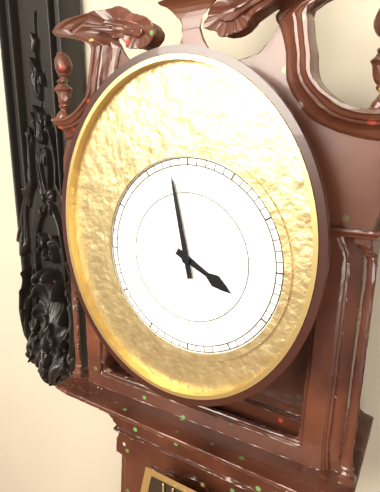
3:58
